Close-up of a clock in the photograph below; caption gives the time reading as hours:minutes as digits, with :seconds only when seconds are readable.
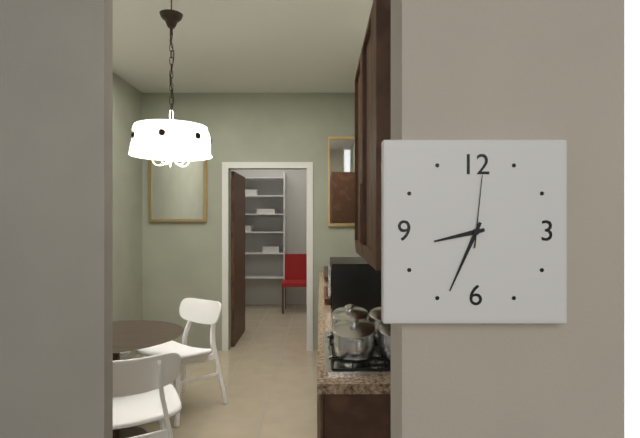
8:34:01
